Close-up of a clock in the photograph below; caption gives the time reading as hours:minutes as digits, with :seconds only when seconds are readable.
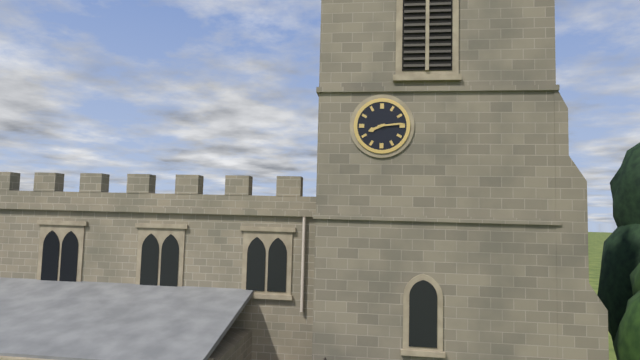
8:14
